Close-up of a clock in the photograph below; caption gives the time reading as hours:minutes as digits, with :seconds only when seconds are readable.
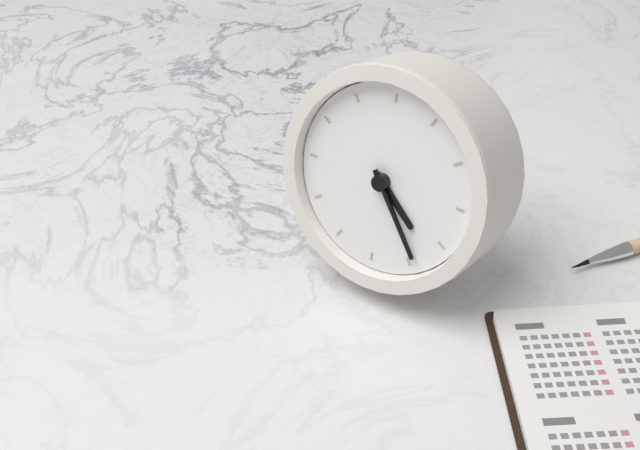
4:24
